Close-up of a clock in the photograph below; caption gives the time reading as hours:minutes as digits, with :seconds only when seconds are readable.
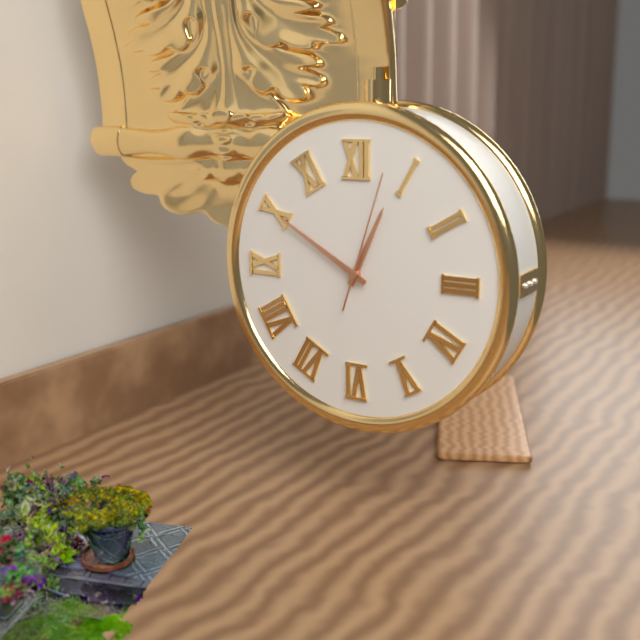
12:50:03
